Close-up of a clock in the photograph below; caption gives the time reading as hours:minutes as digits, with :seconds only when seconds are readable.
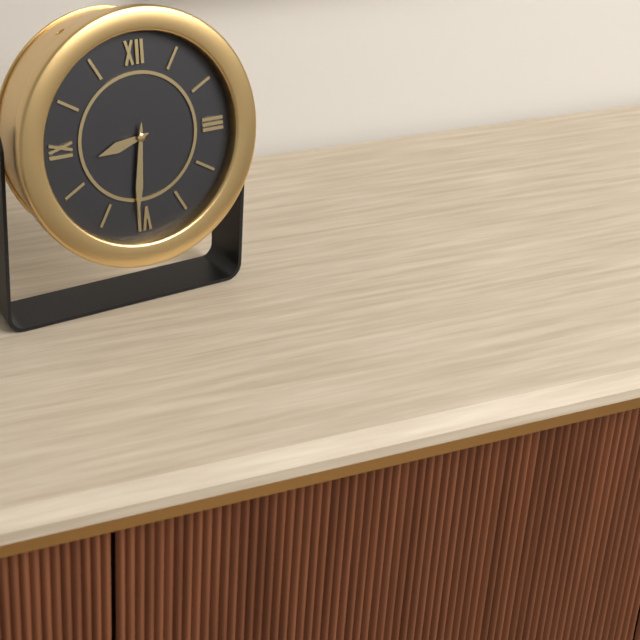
8:31
